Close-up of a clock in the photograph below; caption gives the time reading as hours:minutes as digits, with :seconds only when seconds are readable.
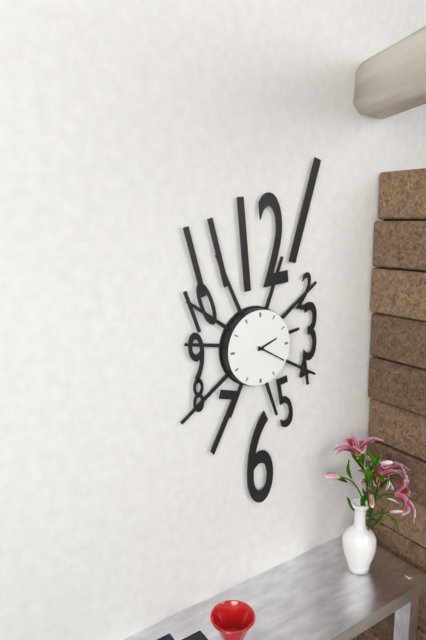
2:20
